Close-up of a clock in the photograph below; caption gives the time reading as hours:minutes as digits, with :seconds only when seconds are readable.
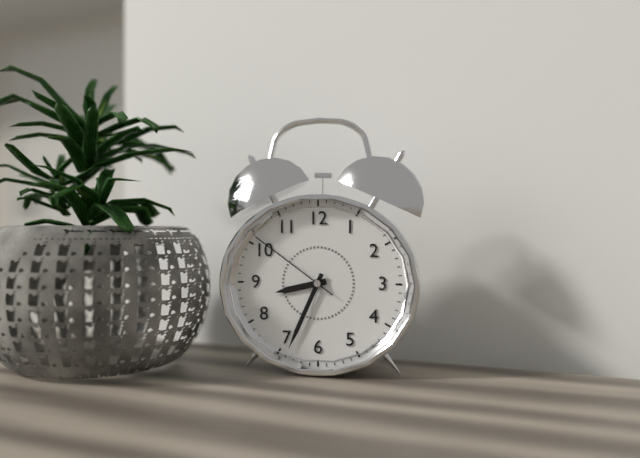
8:34:51
